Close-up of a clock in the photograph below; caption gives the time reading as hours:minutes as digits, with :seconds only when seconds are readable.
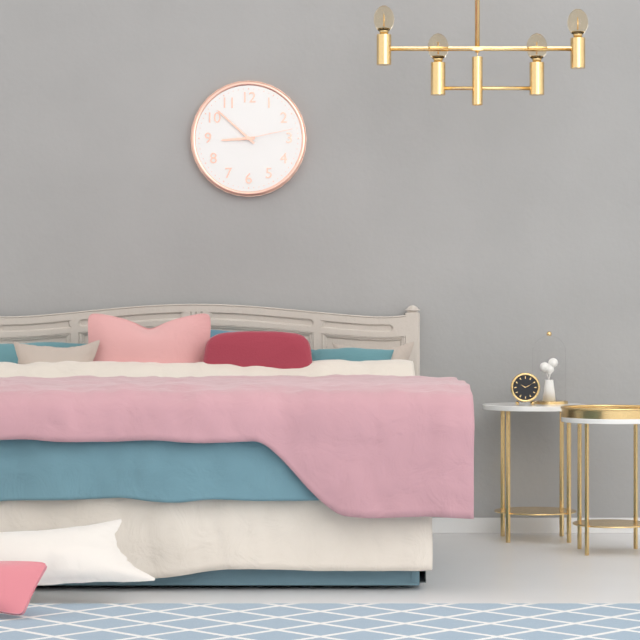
8:52:13
